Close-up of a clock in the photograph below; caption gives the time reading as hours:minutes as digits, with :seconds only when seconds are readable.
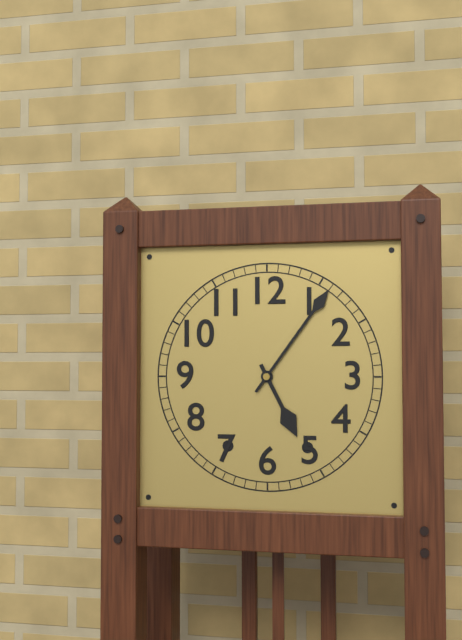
5:06
